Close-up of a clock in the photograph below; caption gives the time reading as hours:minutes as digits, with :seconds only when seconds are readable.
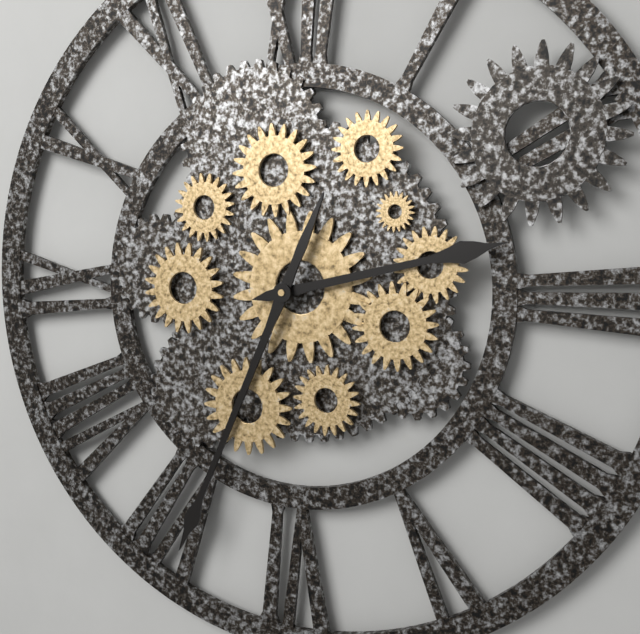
2:34
